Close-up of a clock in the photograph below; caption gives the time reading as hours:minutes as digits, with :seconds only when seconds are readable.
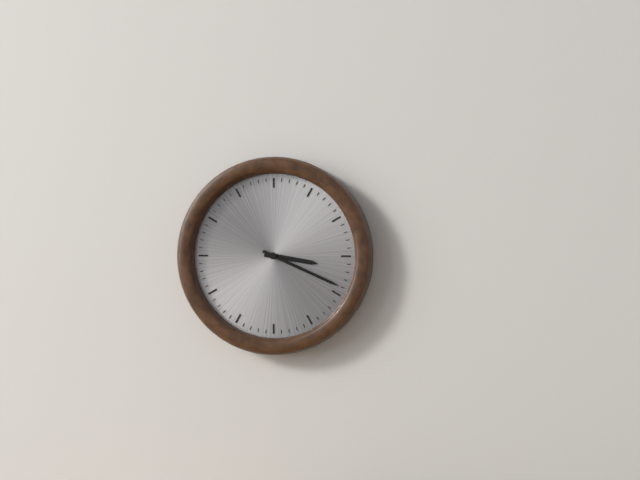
3:19
